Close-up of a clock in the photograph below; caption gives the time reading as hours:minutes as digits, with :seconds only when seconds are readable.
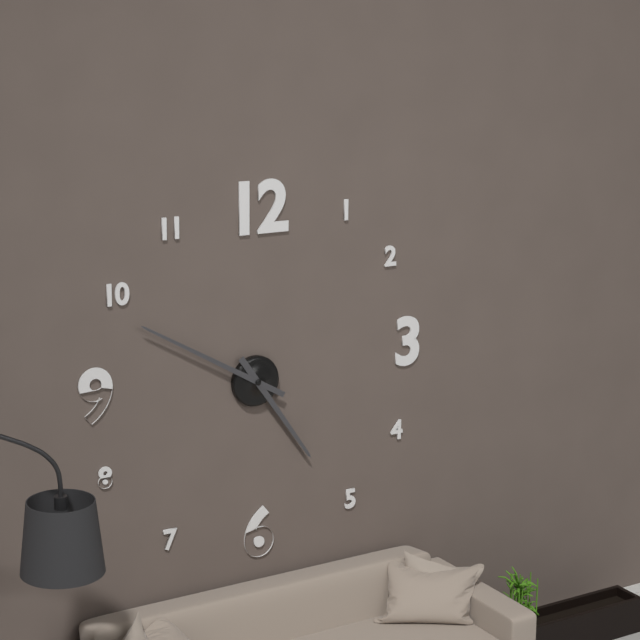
4:50
